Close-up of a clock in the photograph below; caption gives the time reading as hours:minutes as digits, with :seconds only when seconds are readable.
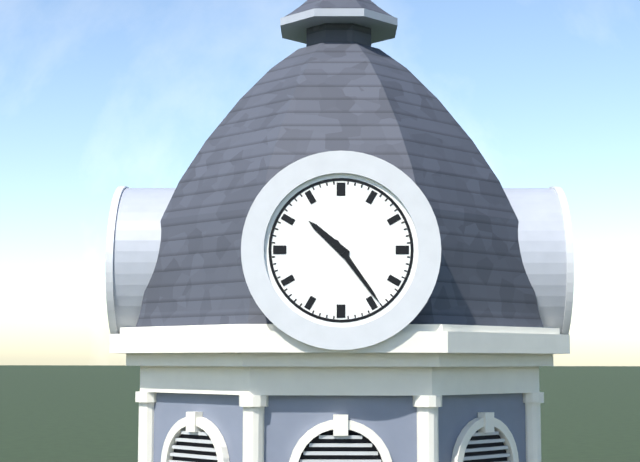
10:24
